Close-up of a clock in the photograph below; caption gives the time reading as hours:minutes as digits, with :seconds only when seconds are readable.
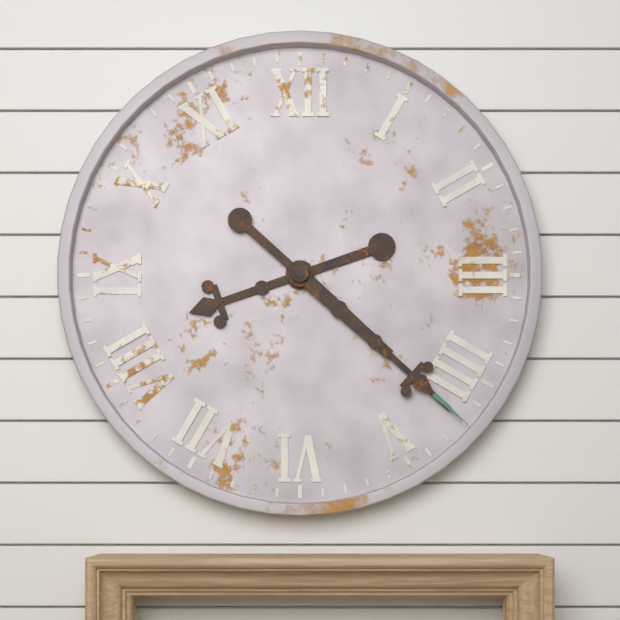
8:22
